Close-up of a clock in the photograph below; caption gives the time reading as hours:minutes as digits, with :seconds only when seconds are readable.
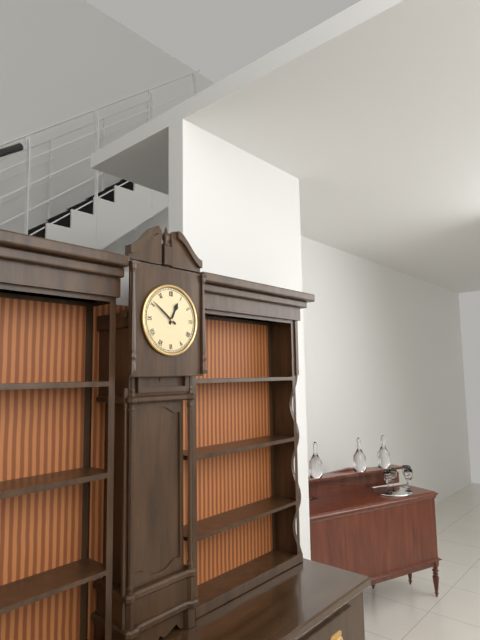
12:51
